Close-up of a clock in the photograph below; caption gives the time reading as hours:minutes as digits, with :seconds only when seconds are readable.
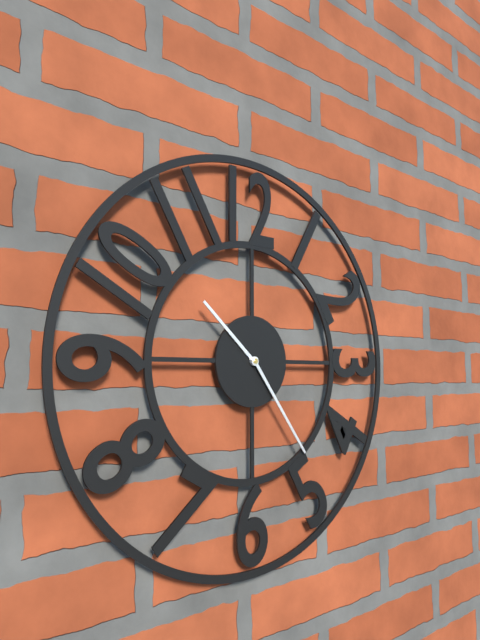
10:24
